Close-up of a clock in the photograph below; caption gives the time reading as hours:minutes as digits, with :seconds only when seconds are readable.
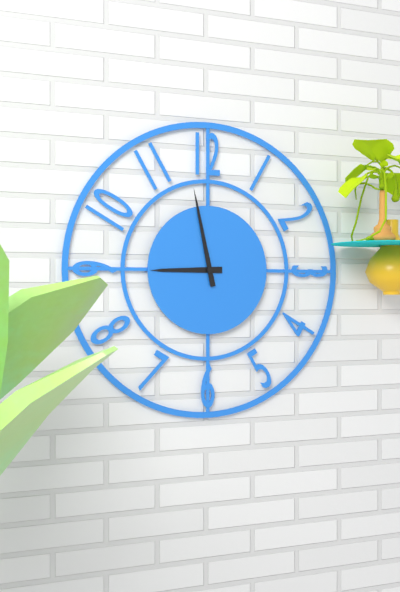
8:58
